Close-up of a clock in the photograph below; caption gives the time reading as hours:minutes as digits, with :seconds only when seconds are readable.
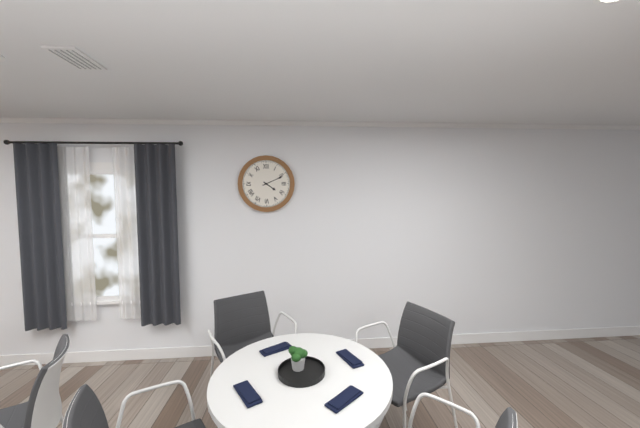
4:11
